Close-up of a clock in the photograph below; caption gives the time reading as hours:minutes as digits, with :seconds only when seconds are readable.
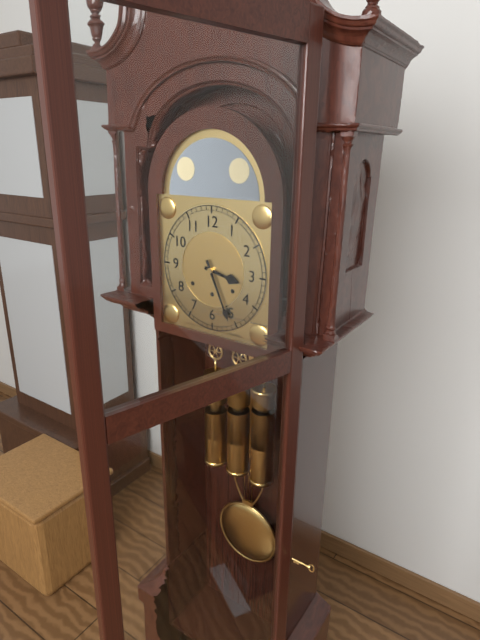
3:26
